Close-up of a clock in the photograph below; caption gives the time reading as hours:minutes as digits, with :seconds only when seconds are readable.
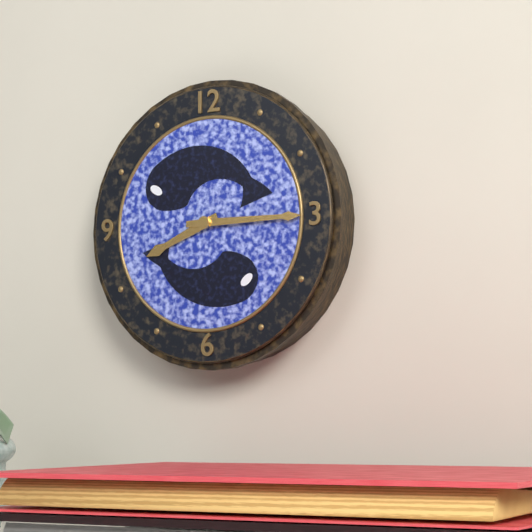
8:15
